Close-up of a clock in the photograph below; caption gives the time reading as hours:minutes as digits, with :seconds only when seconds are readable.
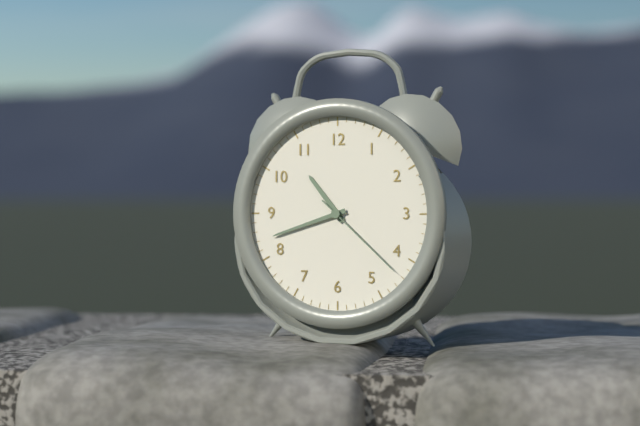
10:42:22
